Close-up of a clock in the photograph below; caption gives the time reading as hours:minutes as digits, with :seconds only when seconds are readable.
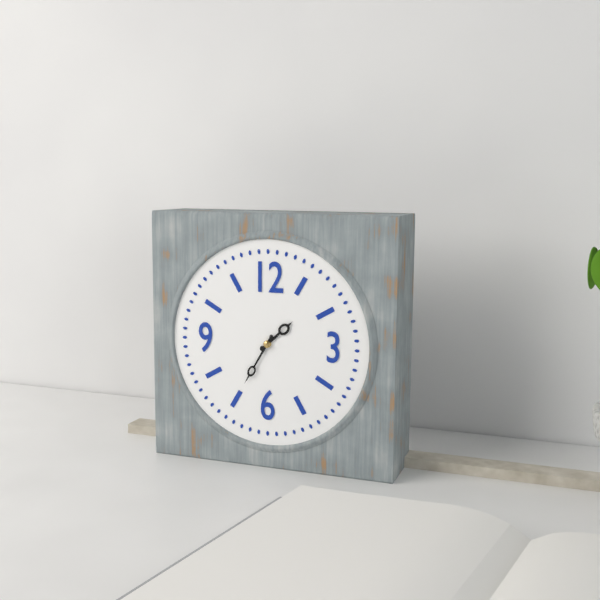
1:35
